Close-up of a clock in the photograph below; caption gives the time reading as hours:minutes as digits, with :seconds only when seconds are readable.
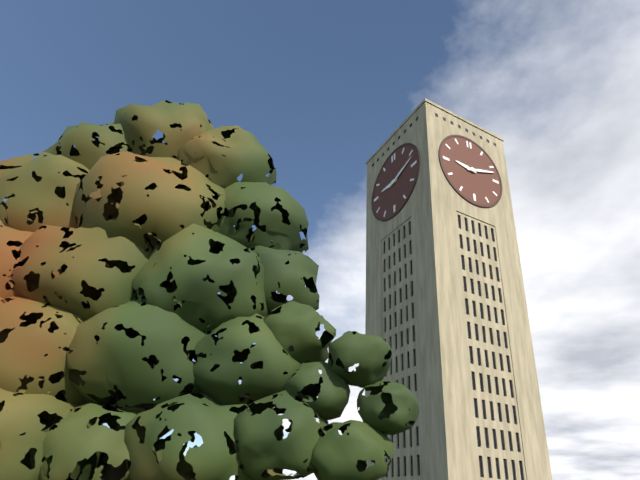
9:12
